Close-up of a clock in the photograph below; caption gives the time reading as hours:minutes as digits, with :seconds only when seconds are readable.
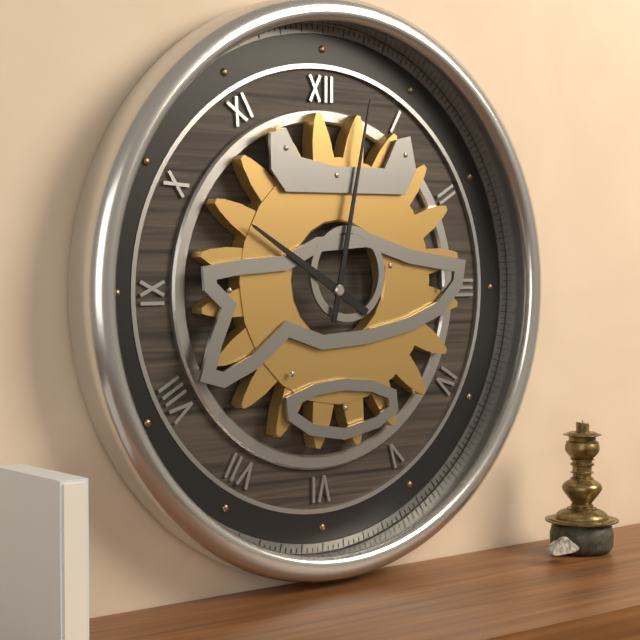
10:02
